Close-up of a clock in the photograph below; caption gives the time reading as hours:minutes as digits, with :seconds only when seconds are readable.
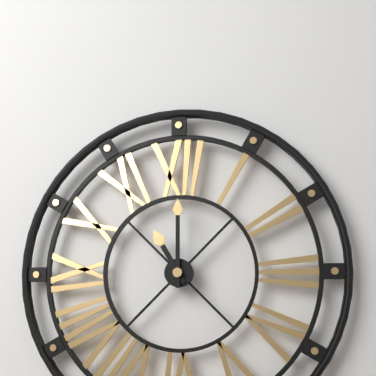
11:00
